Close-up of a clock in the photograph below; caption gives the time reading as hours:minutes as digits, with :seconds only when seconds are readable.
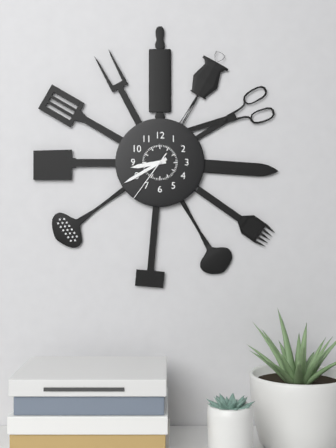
8:40:36
